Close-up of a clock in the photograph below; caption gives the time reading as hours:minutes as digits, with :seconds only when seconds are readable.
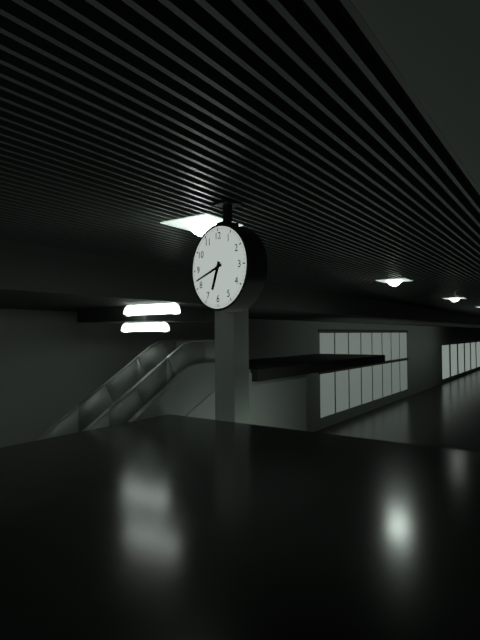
6:42
